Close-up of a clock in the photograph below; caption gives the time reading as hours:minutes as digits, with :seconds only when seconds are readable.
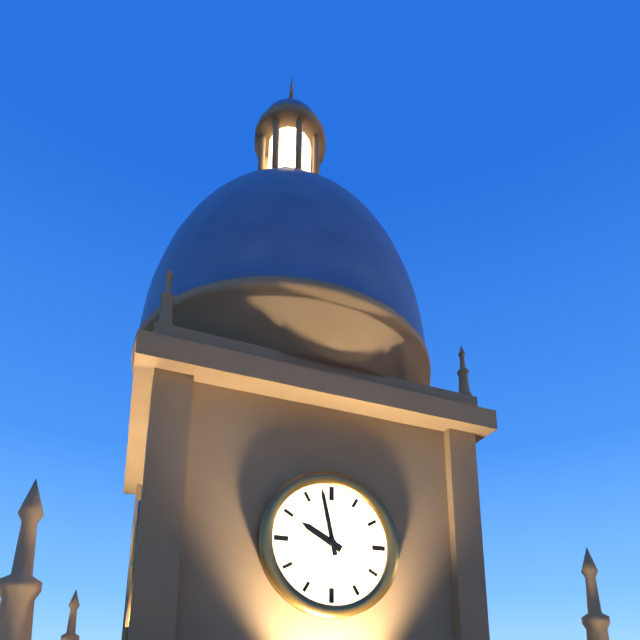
9:58
